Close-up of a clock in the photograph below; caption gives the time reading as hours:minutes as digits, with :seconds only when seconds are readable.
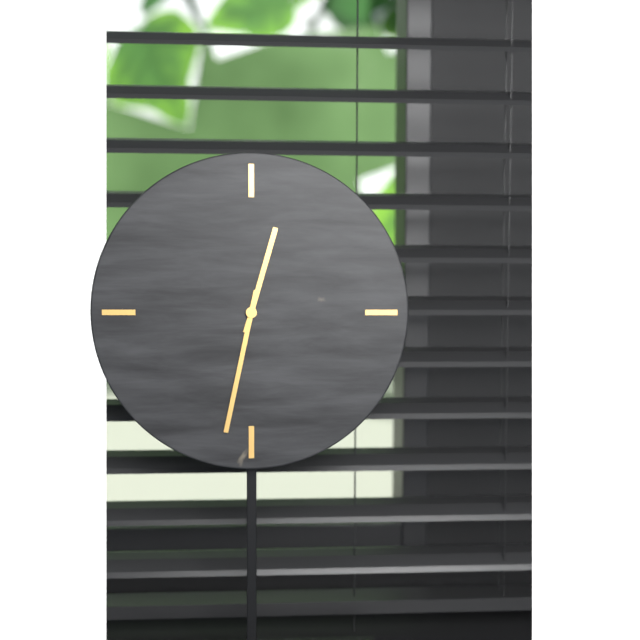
12:32
